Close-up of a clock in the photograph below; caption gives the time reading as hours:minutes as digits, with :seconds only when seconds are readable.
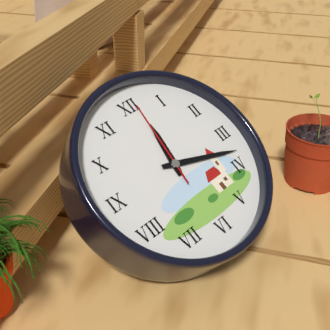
12:18:01
